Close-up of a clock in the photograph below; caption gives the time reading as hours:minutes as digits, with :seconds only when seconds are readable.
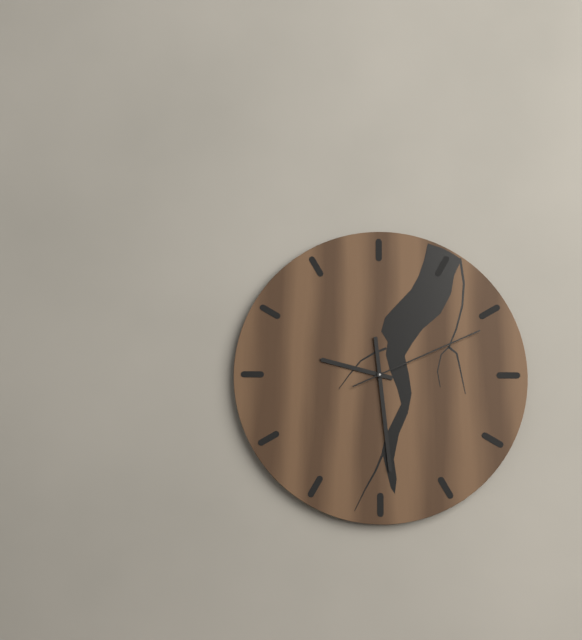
9:29:11
